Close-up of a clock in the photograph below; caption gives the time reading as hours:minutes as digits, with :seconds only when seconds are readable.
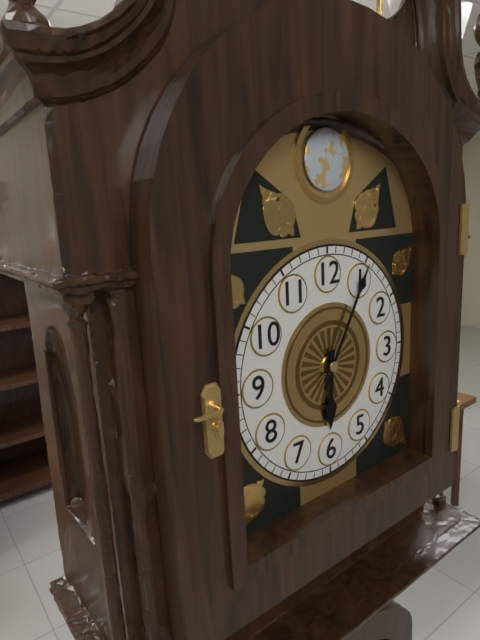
6:05
